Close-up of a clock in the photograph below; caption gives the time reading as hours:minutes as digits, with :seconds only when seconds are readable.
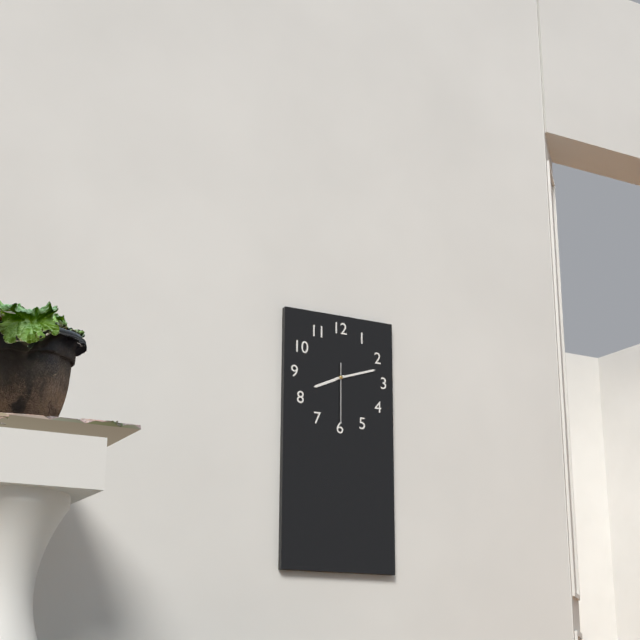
8:12:30
